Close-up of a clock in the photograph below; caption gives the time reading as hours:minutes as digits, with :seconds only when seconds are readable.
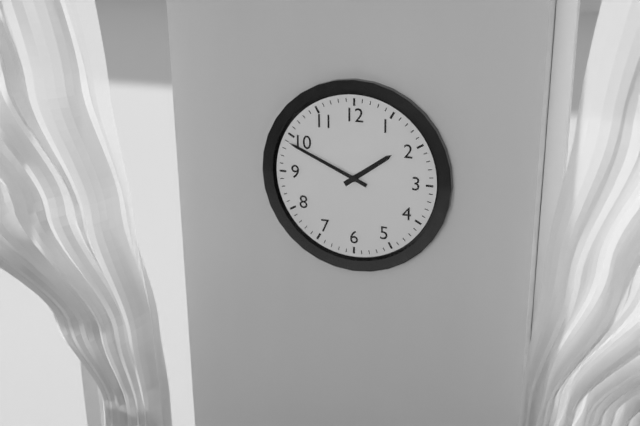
1:49
